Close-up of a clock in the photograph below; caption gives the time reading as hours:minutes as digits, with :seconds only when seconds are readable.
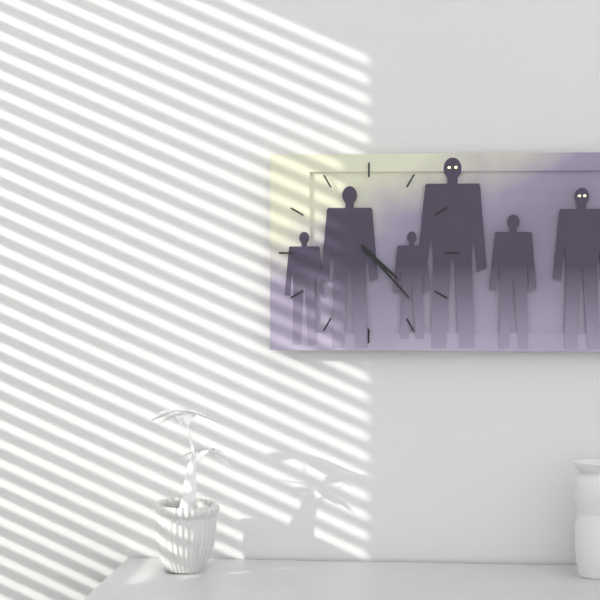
4:23
